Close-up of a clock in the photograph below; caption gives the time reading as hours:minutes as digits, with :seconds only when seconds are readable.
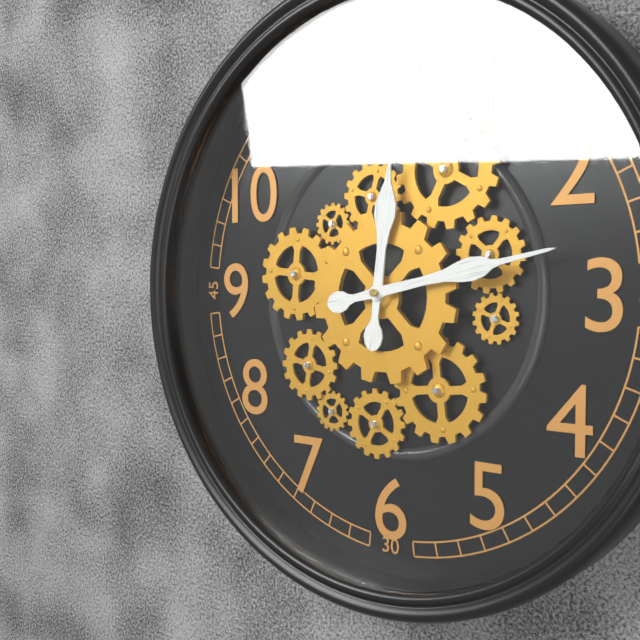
12:13
